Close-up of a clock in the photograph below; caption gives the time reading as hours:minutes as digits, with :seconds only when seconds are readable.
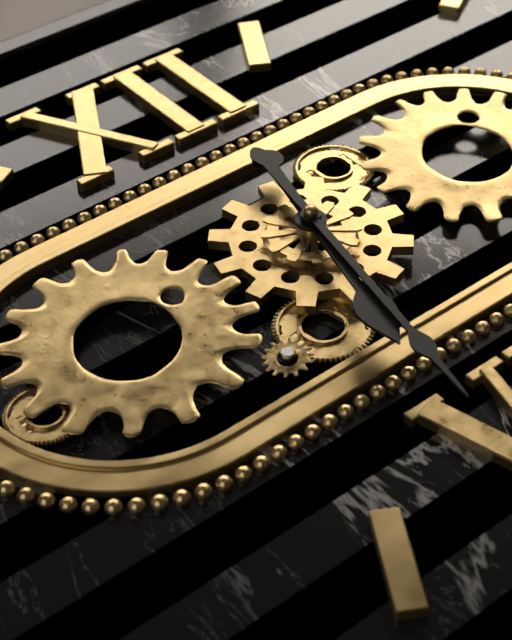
6:32
